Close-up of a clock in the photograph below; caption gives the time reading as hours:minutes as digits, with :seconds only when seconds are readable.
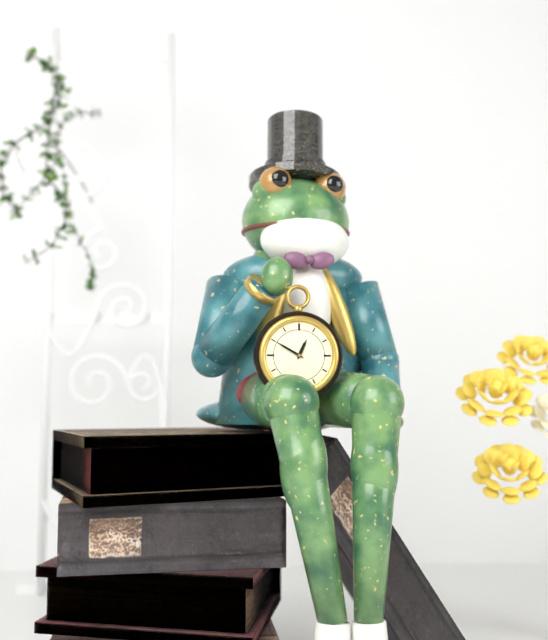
12:50
